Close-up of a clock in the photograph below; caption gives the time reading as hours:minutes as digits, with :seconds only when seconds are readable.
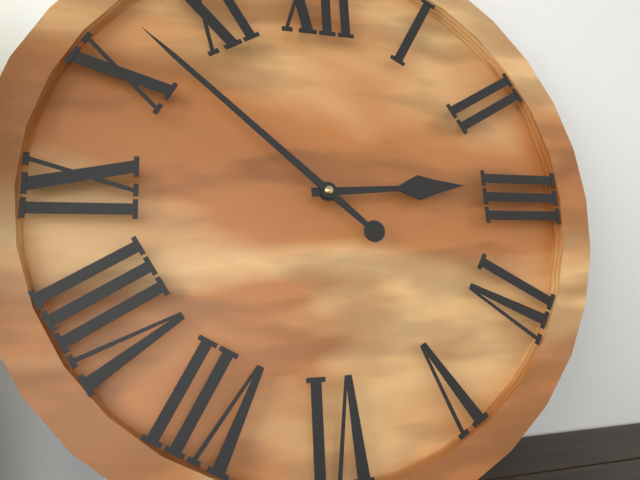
2:52
